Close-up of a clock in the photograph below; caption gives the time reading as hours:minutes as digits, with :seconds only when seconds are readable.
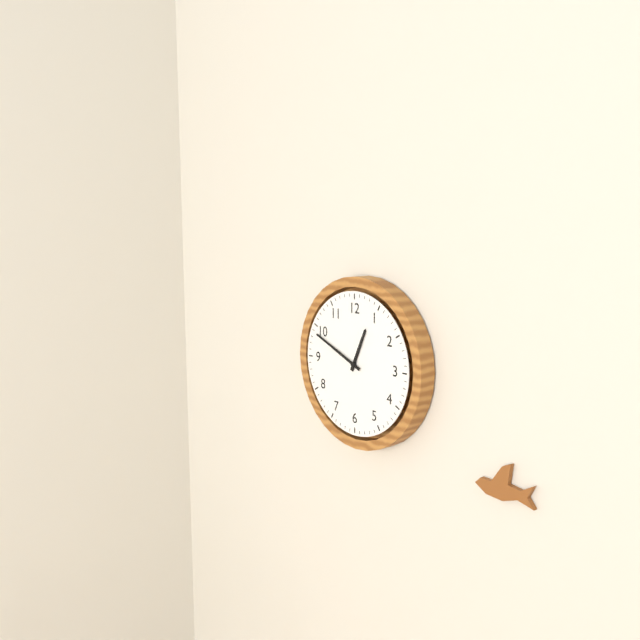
12:49
